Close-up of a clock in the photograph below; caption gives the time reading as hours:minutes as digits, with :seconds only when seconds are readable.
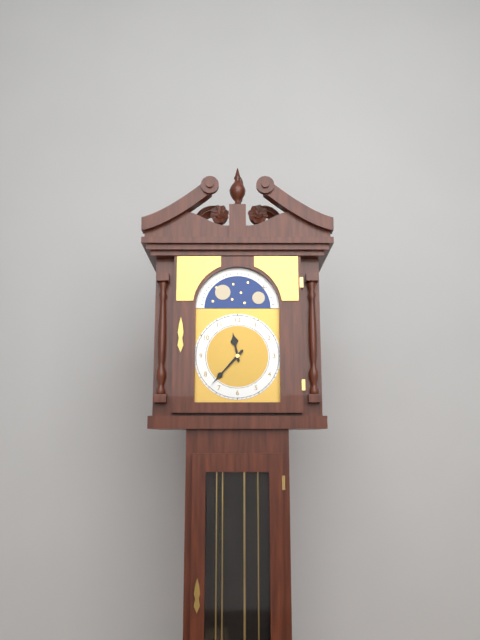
11:37
